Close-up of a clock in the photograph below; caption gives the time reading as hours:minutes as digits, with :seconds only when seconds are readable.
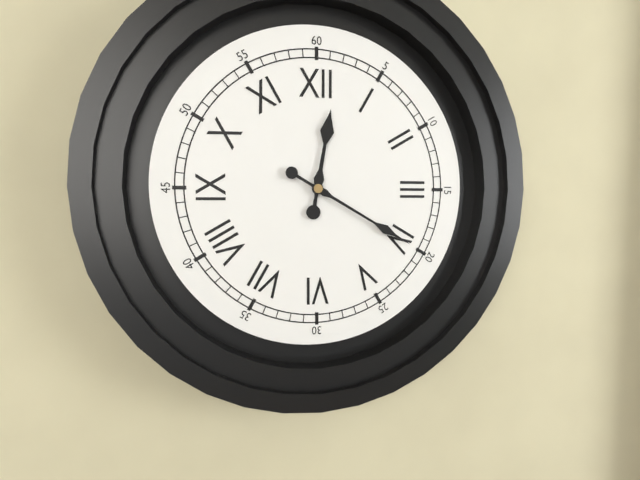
12:20
